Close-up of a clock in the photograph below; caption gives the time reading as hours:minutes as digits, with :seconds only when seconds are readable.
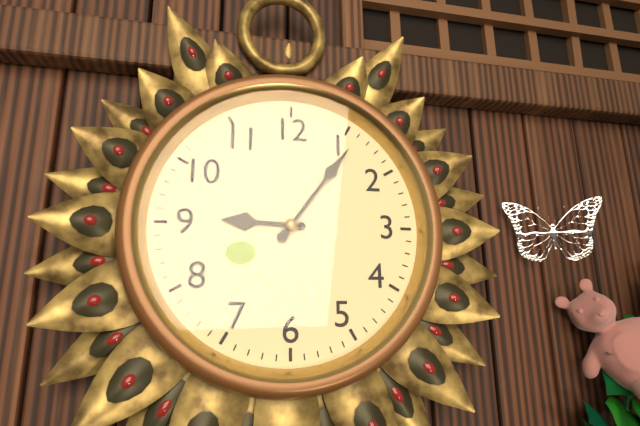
9:06
